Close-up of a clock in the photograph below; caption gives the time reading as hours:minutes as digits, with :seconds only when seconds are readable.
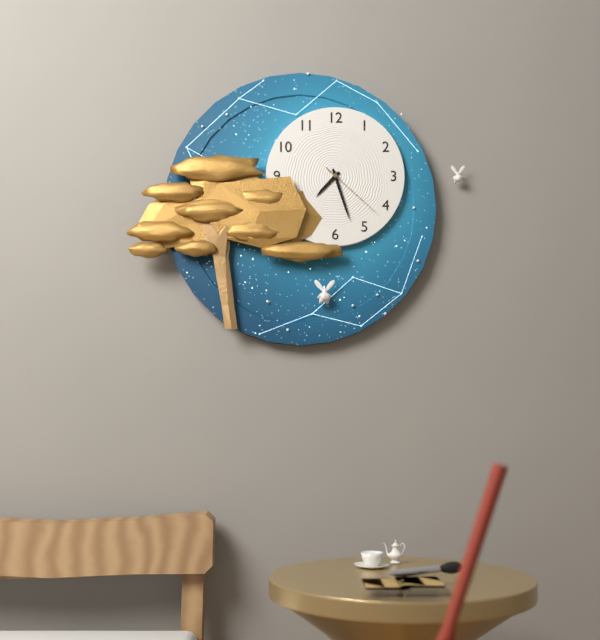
7:27:22
